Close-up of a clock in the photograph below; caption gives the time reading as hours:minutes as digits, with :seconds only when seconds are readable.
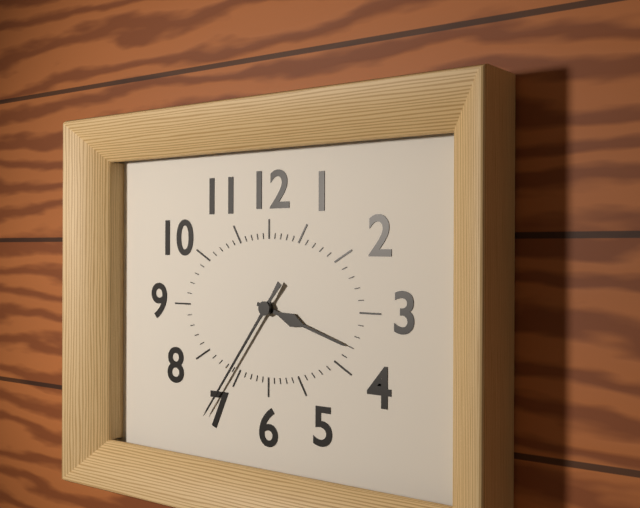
3:36
